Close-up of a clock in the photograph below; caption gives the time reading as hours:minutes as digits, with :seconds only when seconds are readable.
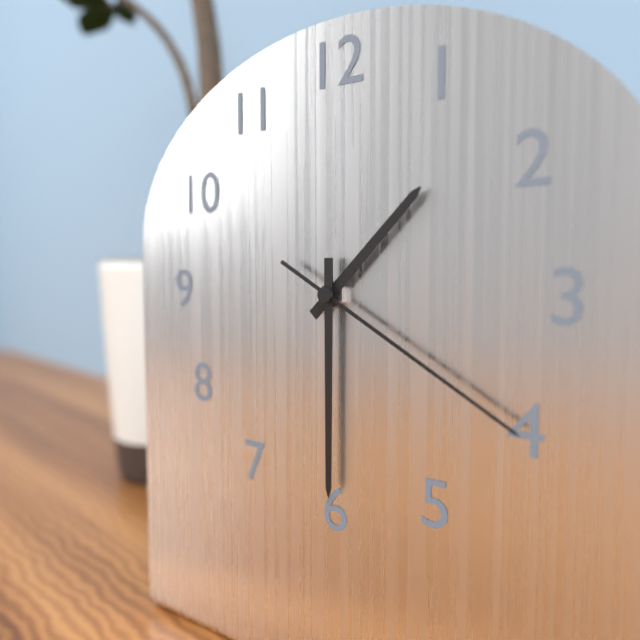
1:30:20
